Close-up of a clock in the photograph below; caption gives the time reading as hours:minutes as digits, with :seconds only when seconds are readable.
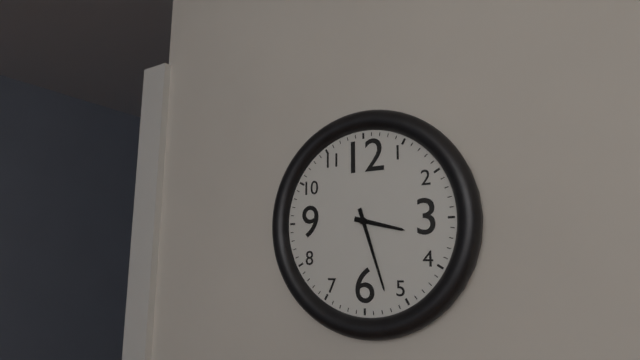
3:27
